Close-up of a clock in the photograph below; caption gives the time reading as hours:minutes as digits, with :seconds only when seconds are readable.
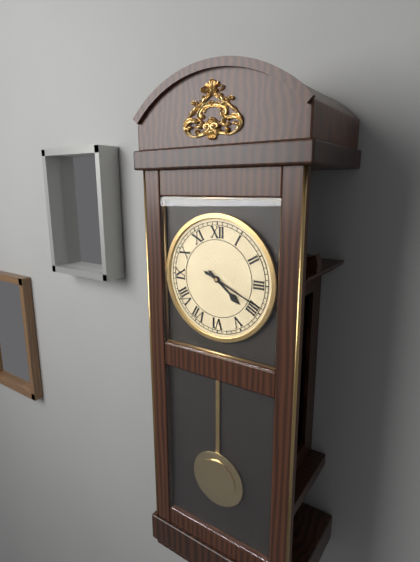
4:19
